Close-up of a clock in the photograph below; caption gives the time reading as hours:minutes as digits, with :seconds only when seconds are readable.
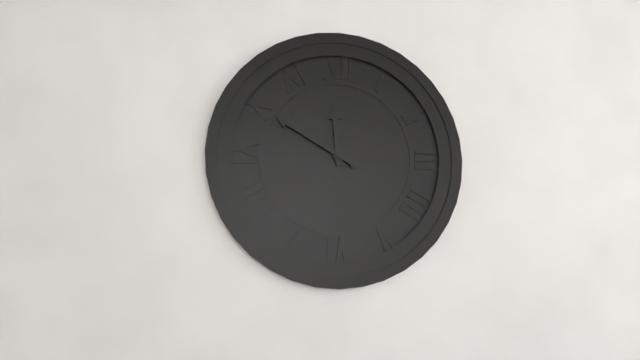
11:50
